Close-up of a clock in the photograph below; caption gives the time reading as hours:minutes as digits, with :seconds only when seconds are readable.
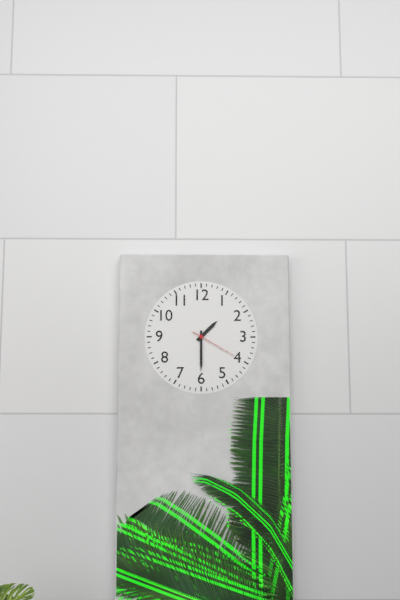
1:30
